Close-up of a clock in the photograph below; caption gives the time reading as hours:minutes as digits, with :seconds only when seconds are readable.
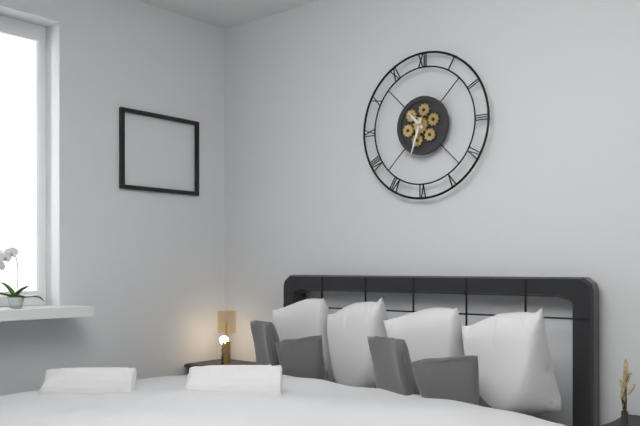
10:33
